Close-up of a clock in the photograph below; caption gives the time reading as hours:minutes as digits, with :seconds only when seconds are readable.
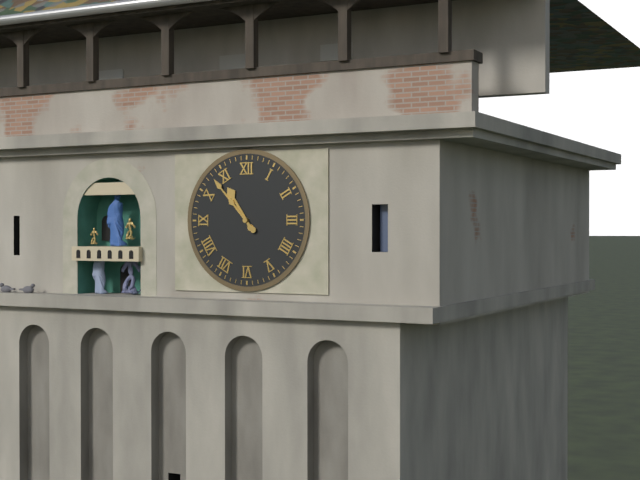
10:53
